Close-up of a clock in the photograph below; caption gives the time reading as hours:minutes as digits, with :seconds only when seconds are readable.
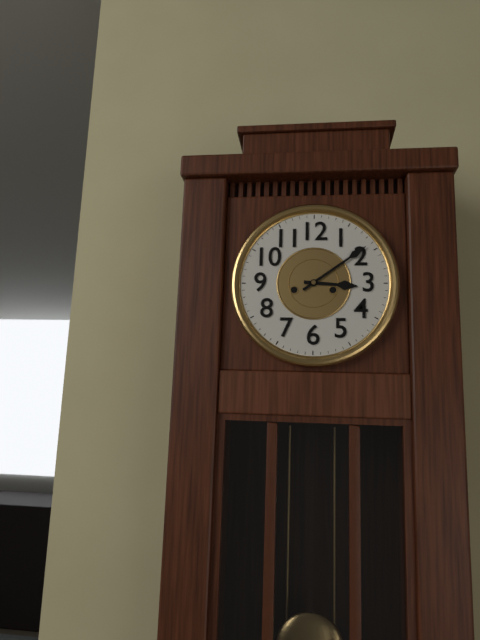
3:09
